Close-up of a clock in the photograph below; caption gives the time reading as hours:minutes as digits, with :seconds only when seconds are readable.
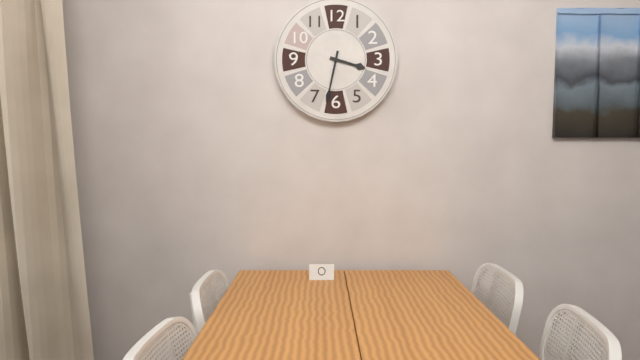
3:32
